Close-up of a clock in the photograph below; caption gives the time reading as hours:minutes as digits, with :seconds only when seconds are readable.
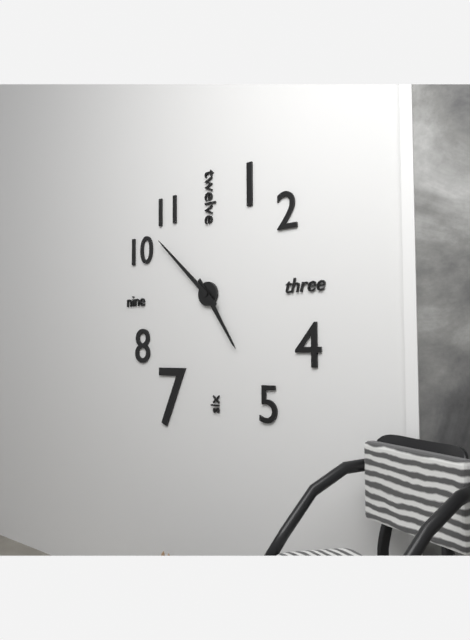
4:52
